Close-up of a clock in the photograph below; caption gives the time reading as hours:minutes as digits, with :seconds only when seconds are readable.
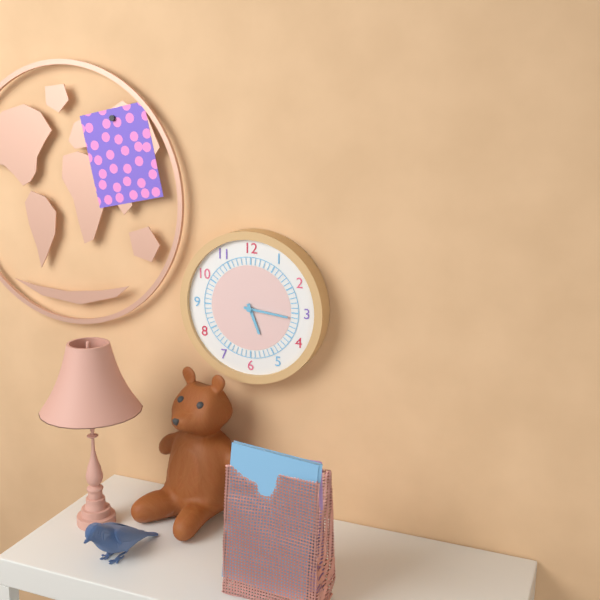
5:16
